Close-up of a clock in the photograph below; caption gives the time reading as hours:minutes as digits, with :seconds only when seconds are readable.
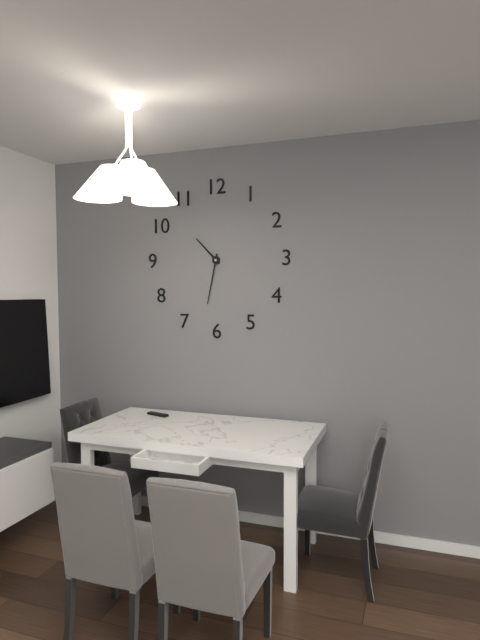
10:32
